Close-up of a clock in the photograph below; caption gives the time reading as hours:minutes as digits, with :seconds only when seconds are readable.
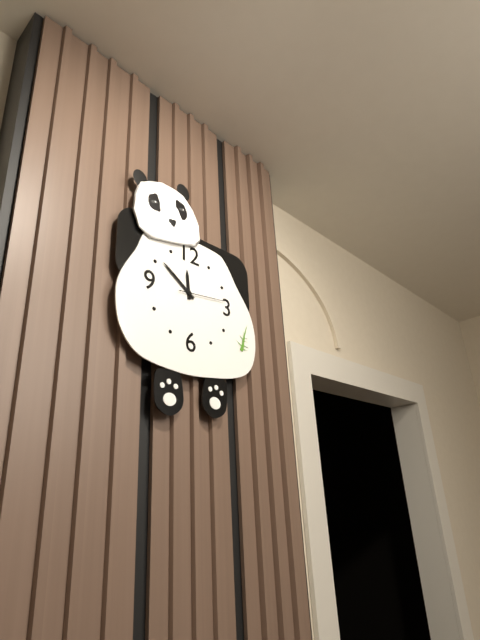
11:51:14
